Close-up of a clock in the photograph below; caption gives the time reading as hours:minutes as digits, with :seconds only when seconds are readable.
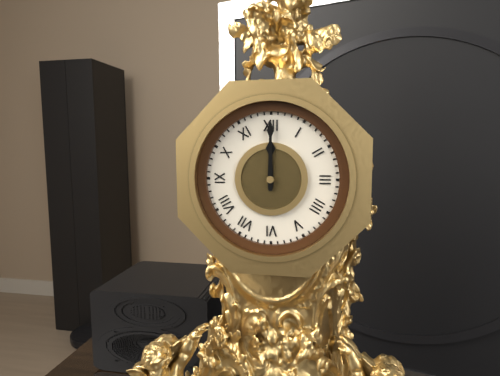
12:00
